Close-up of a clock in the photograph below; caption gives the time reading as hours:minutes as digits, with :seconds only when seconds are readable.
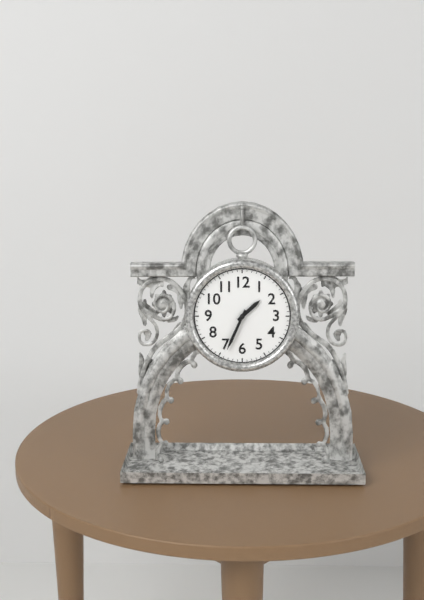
1:34
